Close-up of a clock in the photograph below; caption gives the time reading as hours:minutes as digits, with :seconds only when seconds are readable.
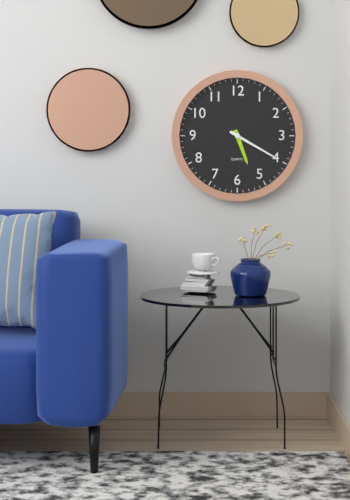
5:20
